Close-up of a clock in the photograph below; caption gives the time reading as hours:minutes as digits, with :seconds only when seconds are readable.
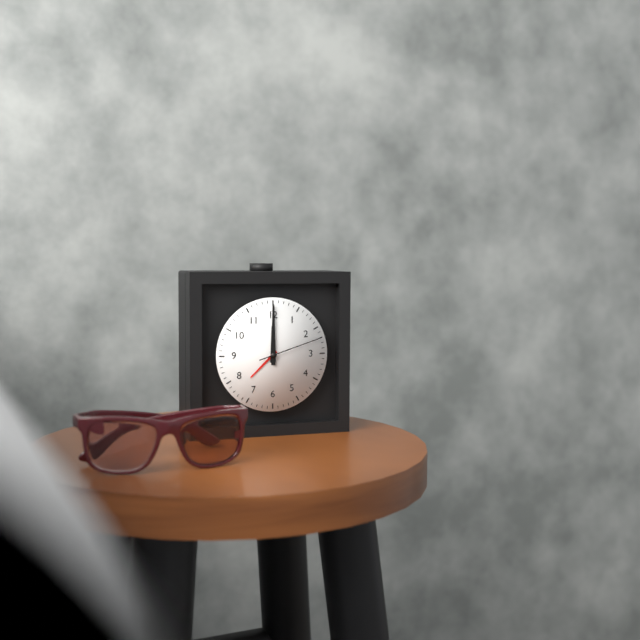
12:00:12
